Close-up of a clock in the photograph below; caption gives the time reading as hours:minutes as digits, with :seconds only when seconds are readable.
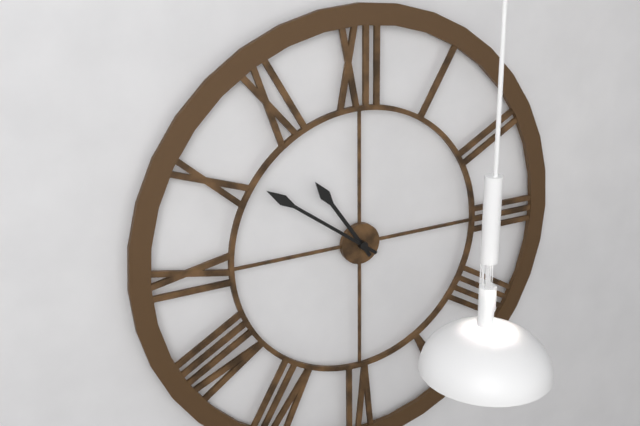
10:51
